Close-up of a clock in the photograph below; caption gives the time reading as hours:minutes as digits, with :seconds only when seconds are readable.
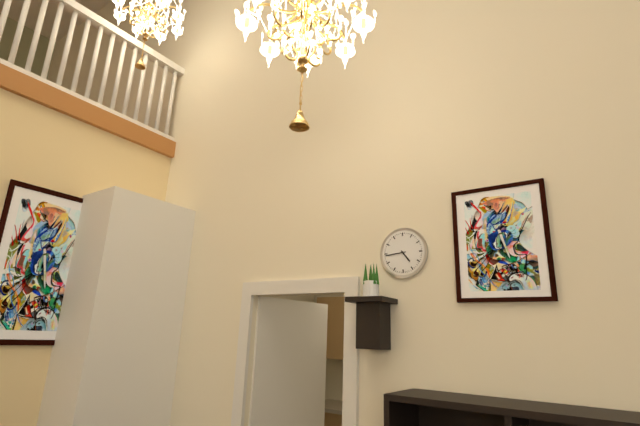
4:44
